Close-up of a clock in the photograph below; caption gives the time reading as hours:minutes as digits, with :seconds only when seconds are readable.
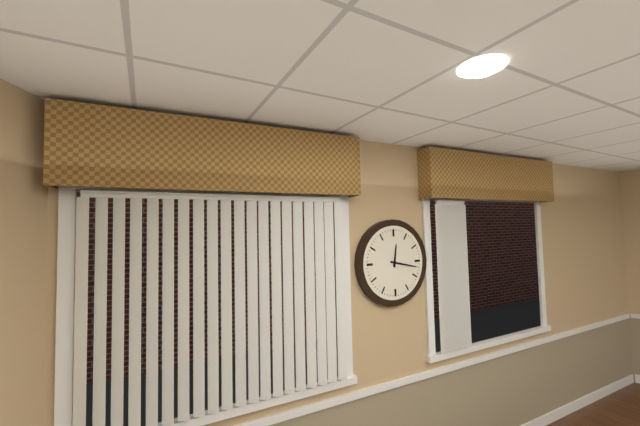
12:17
